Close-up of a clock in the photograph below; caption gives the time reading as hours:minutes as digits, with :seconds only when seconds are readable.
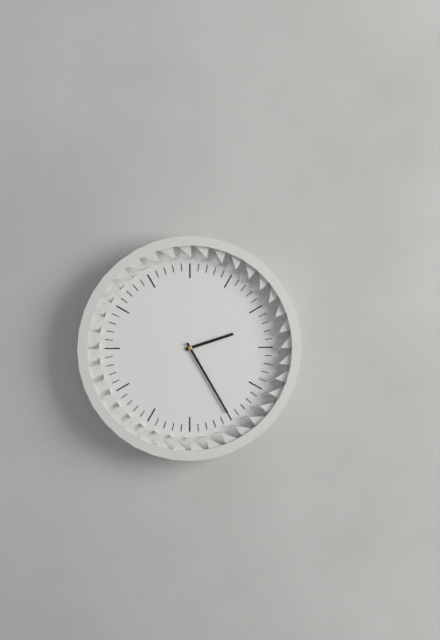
2:25
